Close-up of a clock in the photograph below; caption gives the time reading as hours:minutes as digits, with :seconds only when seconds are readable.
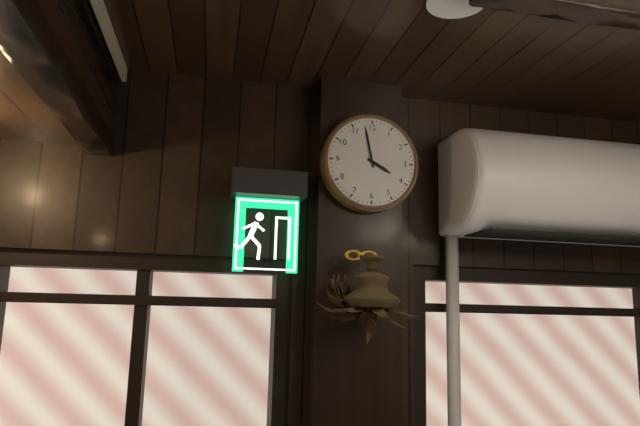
3:58
